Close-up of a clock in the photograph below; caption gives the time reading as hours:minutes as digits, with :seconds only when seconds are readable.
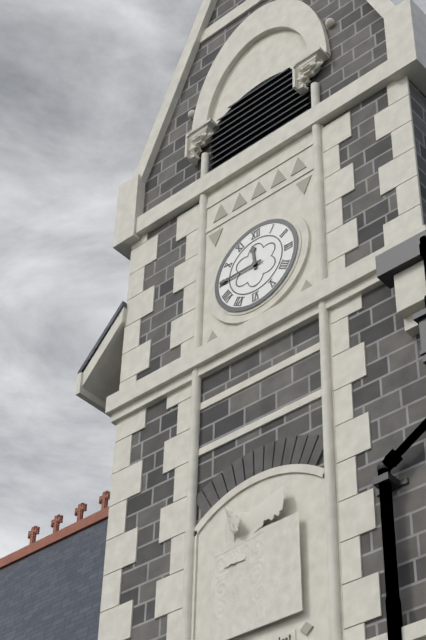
11:45
